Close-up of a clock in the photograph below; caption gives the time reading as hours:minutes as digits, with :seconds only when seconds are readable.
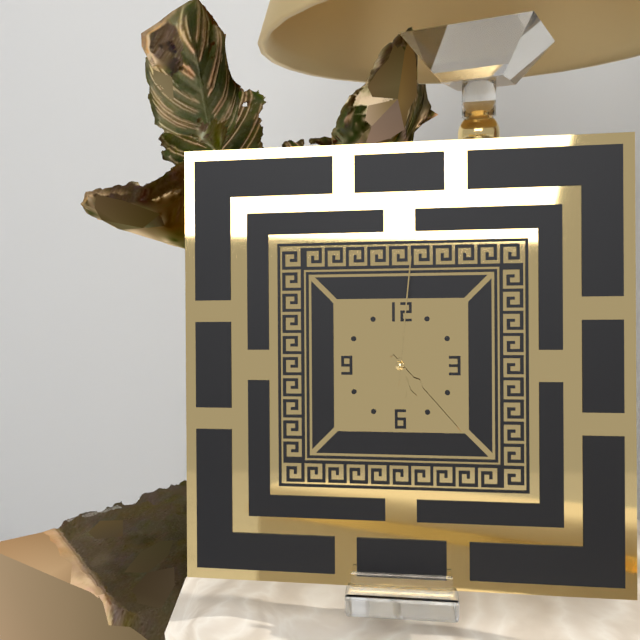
5:23:01
